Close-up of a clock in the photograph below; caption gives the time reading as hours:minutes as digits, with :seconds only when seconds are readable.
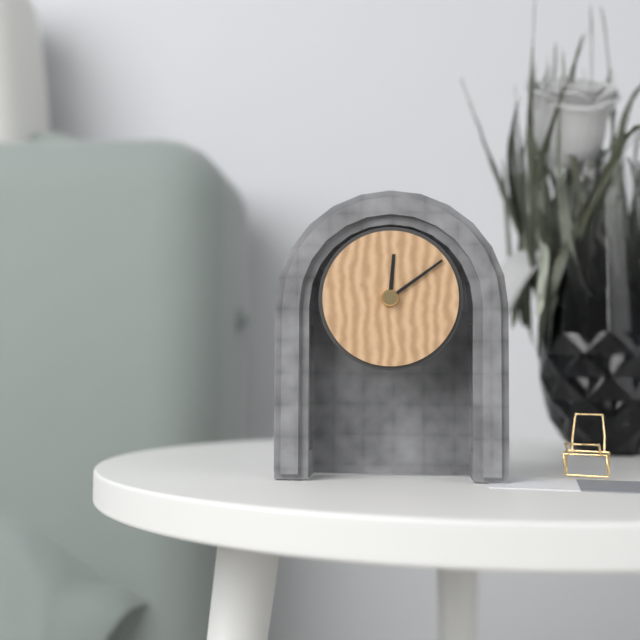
12:09
